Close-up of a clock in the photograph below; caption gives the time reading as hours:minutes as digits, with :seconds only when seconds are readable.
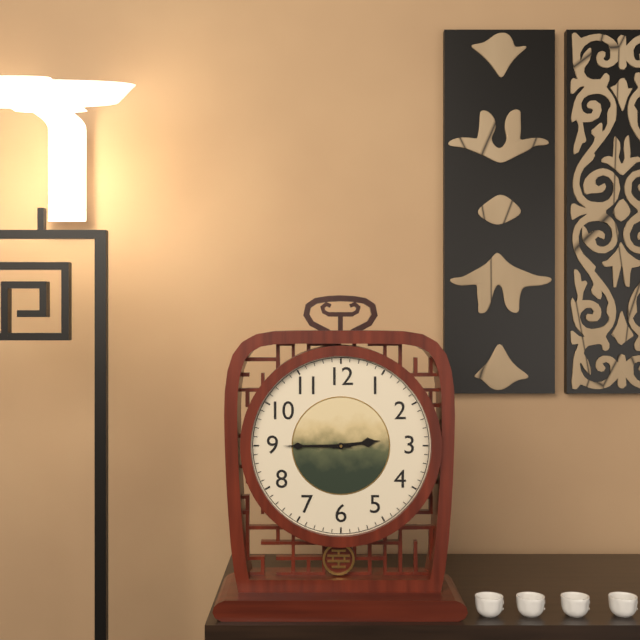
2:45
